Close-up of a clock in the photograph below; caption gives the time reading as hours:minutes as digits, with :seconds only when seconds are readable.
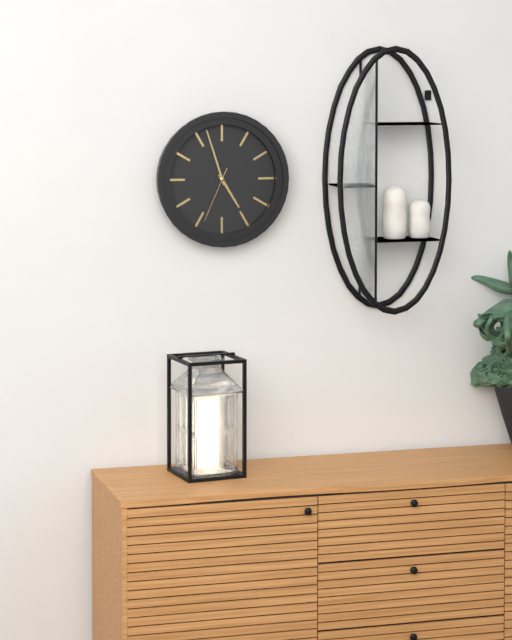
4:57:34
